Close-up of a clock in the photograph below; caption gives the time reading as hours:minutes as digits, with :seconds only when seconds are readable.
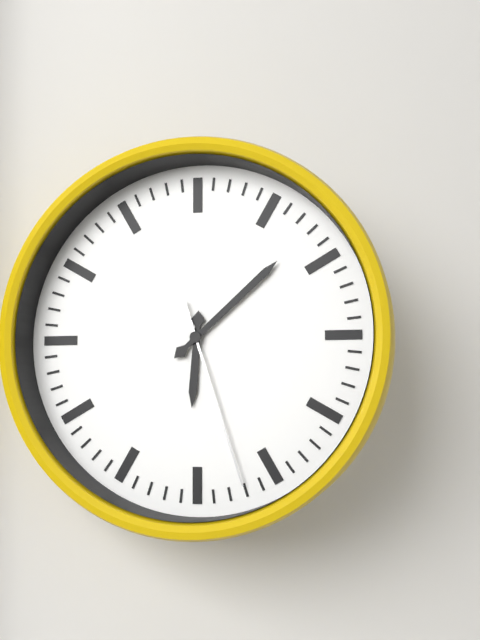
6:08:27
